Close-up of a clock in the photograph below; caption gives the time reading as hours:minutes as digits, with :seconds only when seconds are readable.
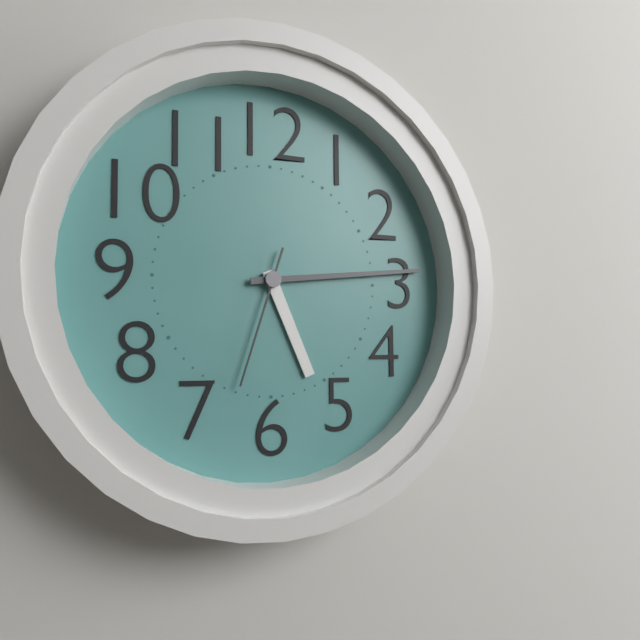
5:14:33
